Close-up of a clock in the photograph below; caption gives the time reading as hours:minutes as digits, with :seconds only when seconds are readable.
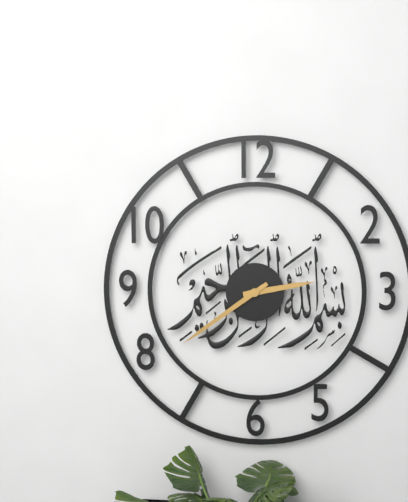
2:39
